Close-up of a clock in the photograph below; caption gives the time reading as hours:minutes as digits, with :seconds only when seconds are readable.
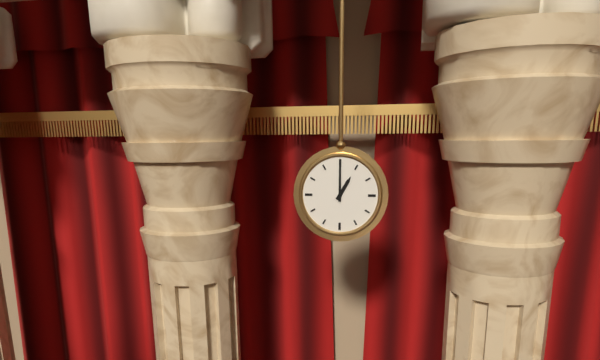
1:00
